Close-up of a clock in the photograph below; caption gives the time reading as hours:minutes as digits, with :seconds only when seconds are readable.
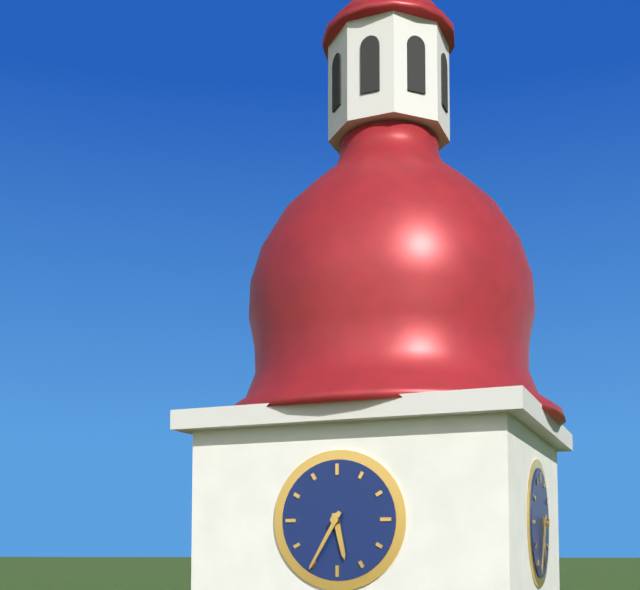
5:35
